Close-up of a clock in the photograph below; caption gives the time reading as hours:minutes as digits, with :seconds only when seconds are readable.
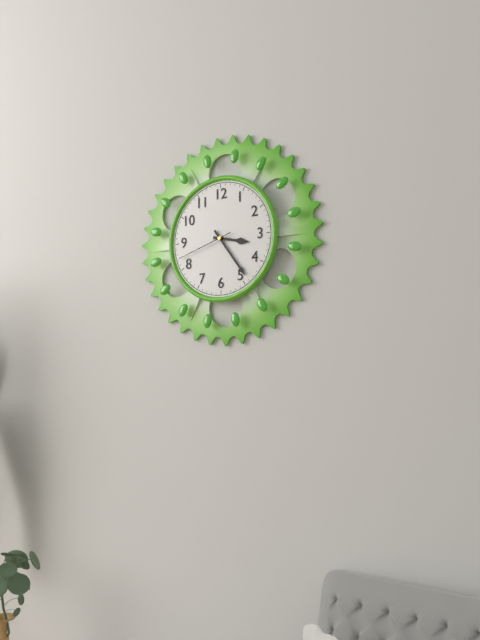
3:24:42
